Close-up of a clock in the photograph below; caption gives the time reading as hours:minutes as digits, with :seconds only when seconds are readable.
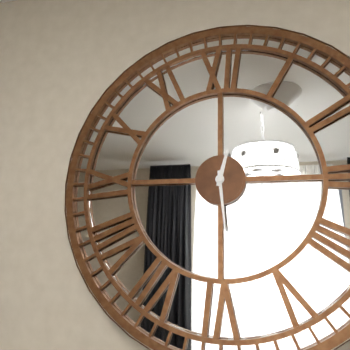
12:29
